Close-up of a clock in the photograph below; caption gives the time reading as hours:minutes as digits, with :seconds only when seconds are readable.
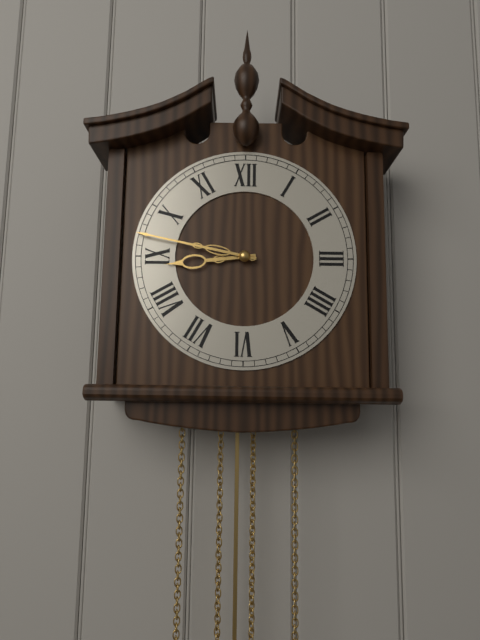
8:47
